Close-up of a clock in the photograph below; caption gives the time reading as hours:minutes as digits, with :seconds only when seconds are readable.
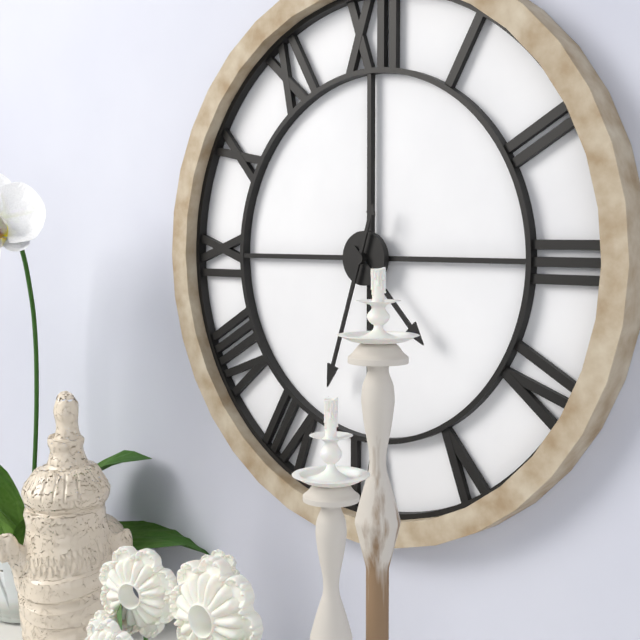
4:33
